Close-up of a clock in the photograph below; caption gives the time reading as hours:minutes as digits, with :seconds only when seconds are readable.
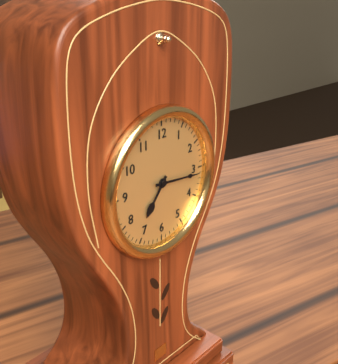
7:16
